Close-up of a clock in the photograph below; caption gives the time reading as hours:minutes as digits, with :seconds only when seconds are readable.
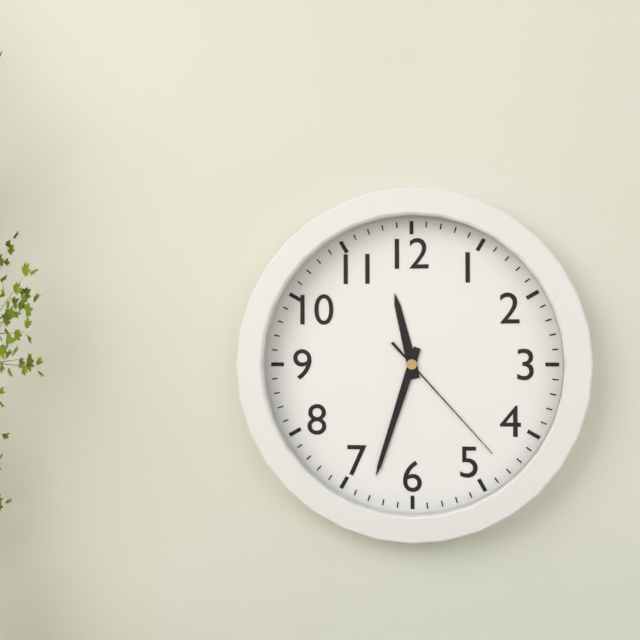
11:33:23
